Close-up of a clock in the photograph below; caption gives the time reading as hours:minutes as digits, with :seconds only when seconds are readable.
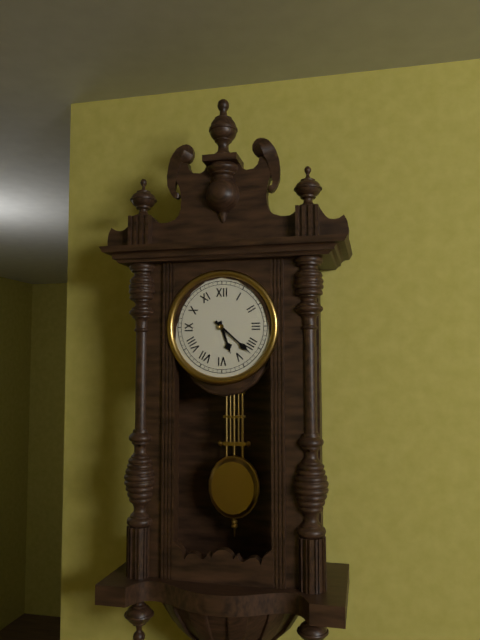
5:22
